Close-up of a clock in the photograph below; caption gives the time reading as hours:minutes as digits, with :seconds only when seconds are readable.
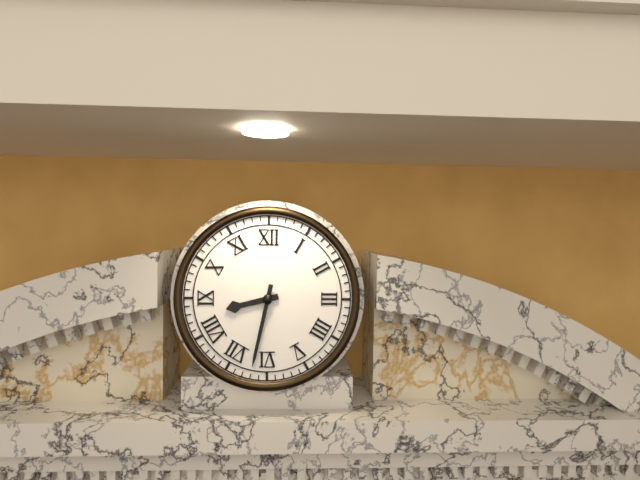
8:32
